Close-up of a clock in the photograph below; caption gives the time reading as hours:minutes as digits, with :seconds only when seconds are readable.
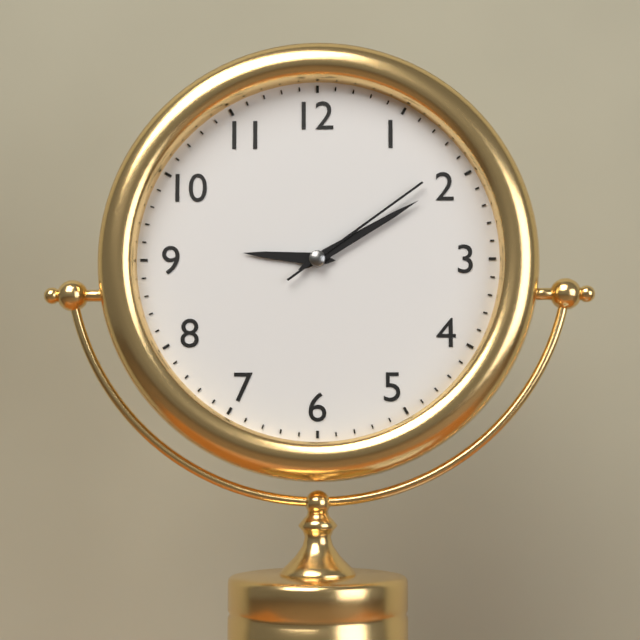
9:10:09
